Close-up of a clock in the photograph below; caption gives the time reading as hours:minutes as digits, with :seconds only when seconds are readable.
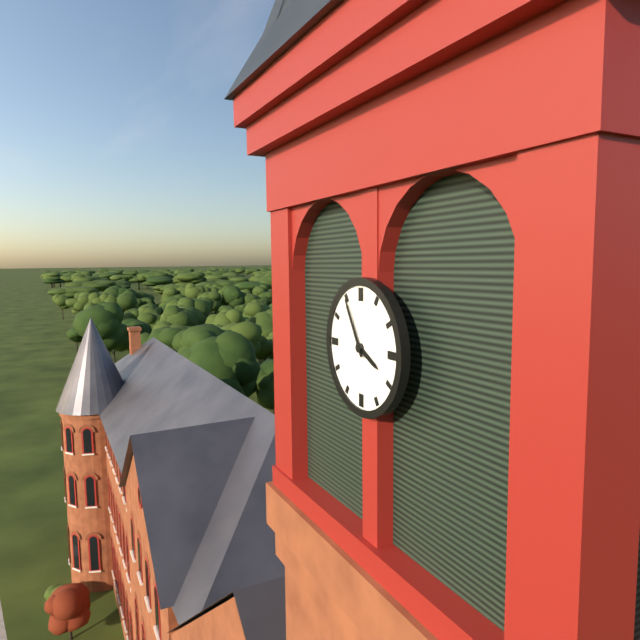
3:55
